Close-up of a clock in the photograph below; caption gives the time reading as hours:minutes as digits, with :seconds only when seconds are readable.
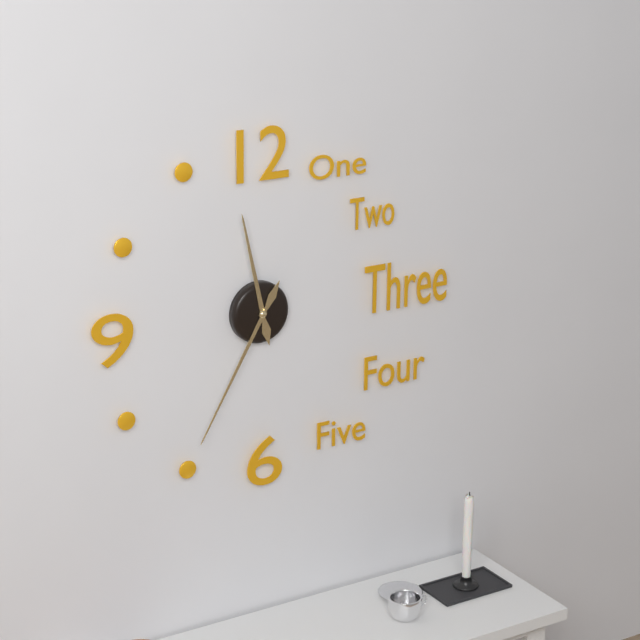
11:35
